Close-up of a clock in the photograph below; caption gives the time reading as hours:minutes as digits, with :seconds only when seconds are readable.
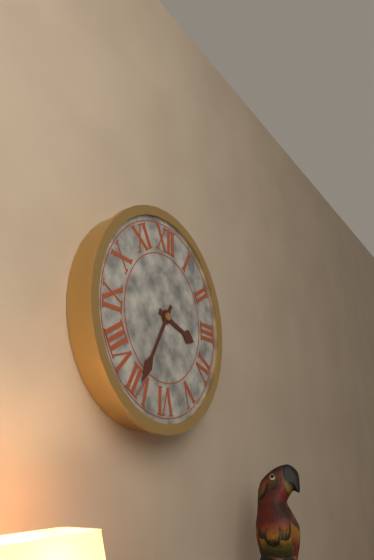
3:35
